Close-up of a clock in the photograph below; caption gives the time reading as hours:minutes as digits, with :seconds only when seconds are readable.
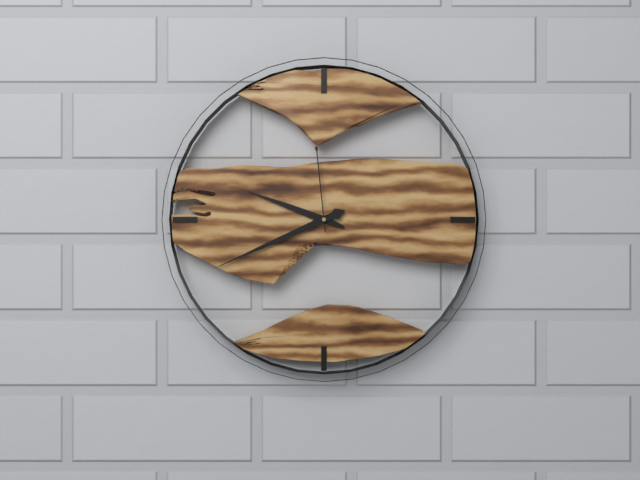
9:41:59
